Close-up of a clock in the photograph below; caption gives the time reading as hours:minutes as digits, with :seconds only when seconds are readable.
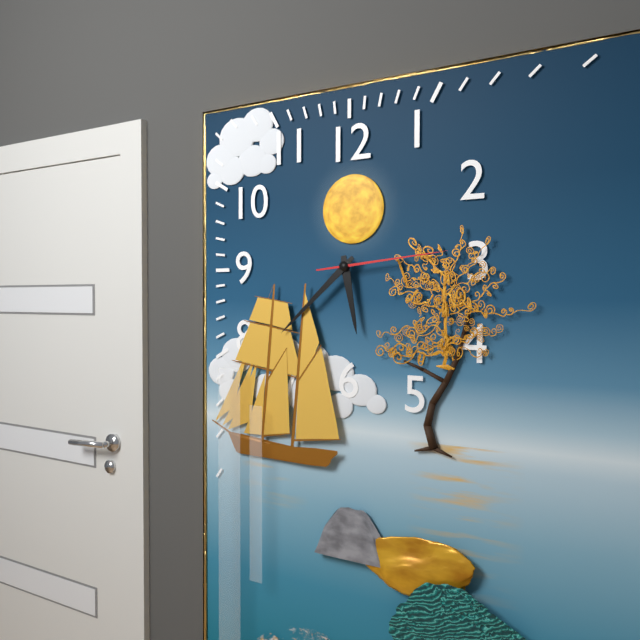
5:38:14
